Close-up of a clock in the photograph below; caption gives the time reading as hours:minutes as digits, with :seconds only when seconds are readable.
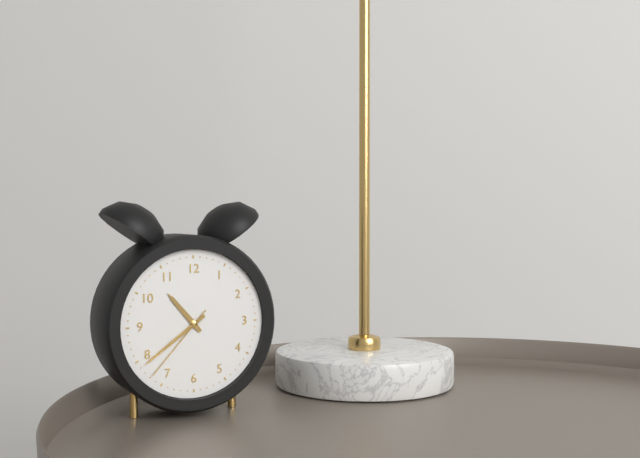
10:39:37
